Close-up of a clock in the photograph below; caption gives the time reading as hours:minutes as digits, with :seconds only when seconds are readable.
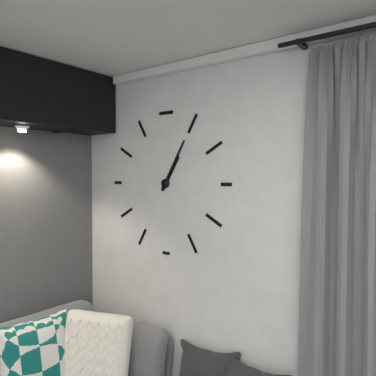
1:05
